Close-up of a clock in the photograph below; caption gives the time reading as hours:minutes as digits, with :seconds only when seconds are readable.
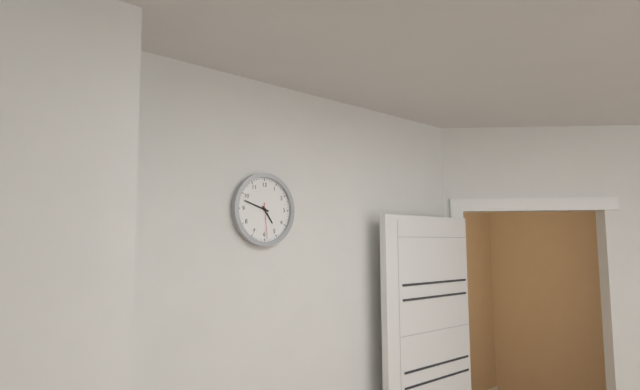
4:48
